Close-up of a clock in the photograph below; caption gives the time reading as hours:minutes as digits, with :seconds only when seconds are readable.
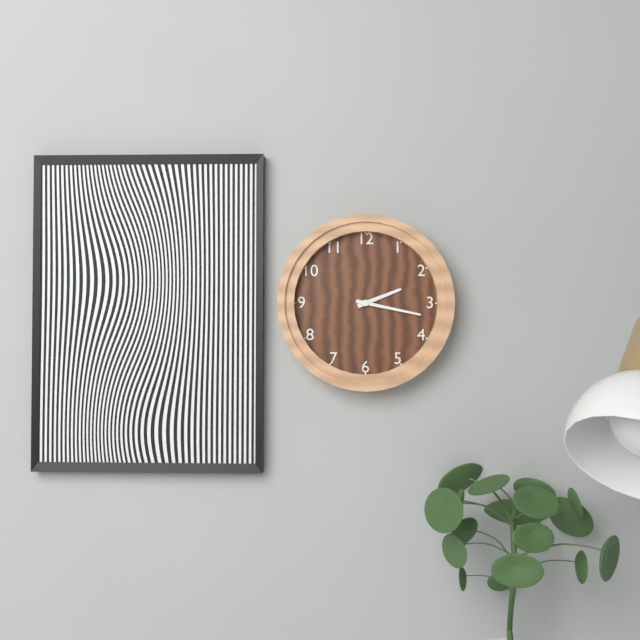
2:17
